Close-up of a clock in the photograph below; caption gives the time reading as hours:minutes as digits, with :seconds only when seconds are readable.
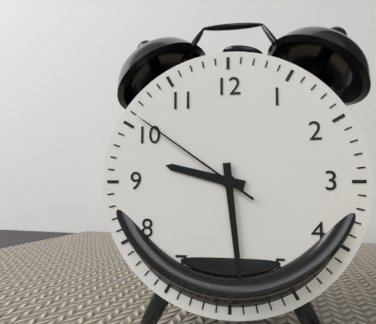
9:29:51
